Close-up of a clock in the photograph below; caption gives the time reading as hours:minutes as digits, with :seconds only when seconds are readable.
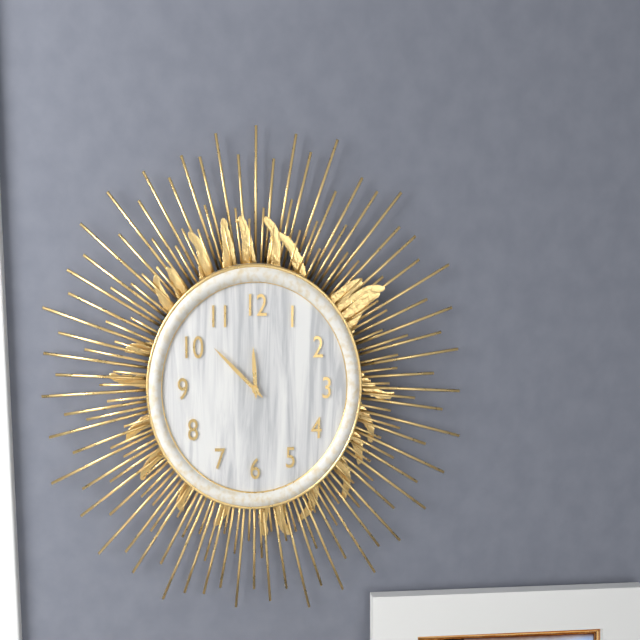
11:52
